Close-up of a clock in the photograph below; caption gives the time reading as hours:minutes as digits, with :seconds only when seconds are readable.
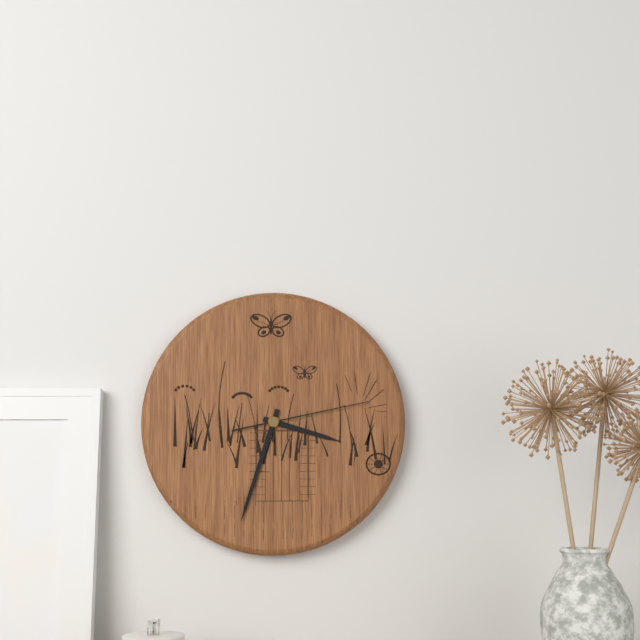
3:33:13
